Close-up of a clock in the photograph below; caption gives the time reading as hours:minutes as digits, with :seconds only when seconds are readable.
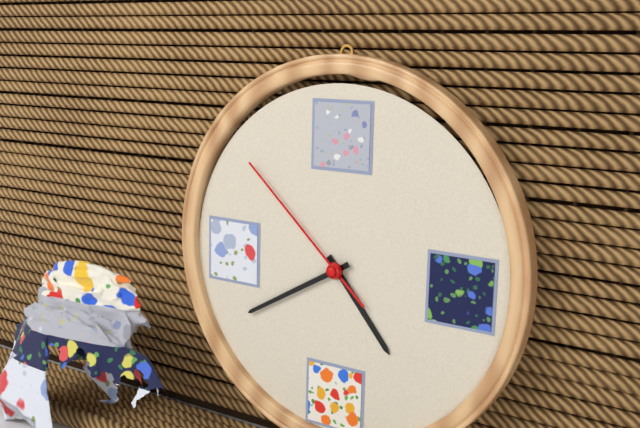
4:40:52
